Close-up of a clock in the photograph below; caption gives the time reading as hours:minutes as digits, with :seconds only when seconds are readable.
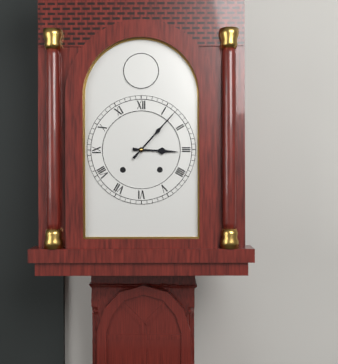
3:07
